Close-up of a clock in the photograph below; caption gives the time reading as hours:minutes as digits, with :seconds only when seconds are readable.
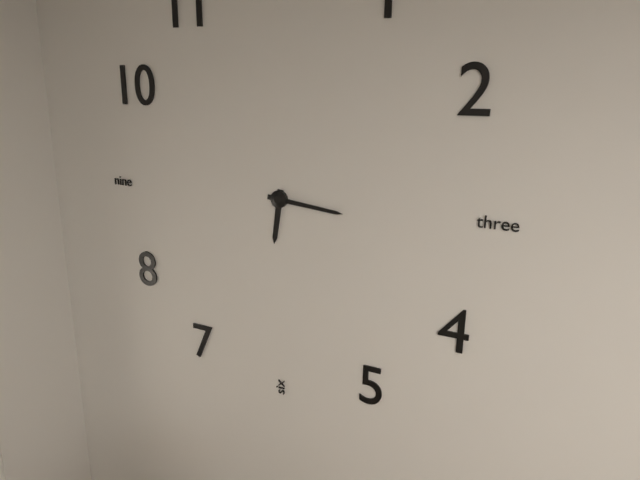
6:16
